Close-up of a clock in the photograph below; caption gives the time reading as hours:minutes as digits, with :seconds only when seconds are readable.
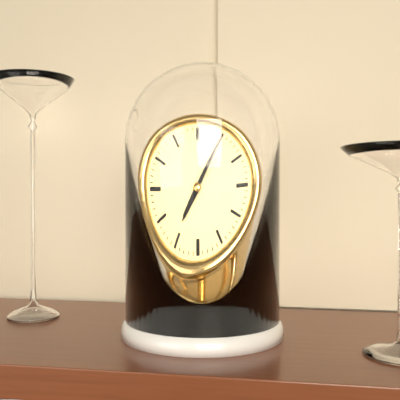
7:05
